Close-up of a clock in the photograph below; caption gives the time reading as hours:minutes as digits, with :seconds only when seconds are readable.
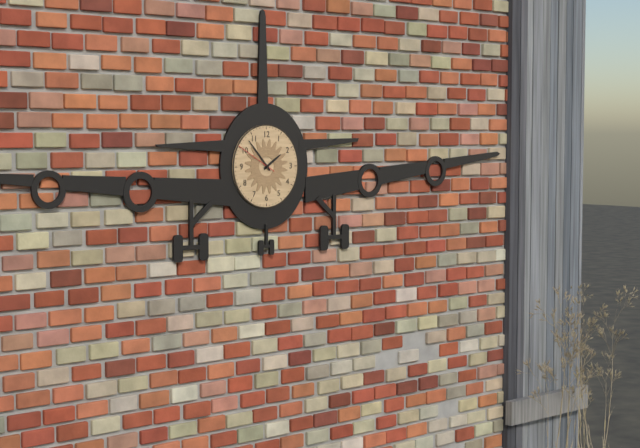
1:53
